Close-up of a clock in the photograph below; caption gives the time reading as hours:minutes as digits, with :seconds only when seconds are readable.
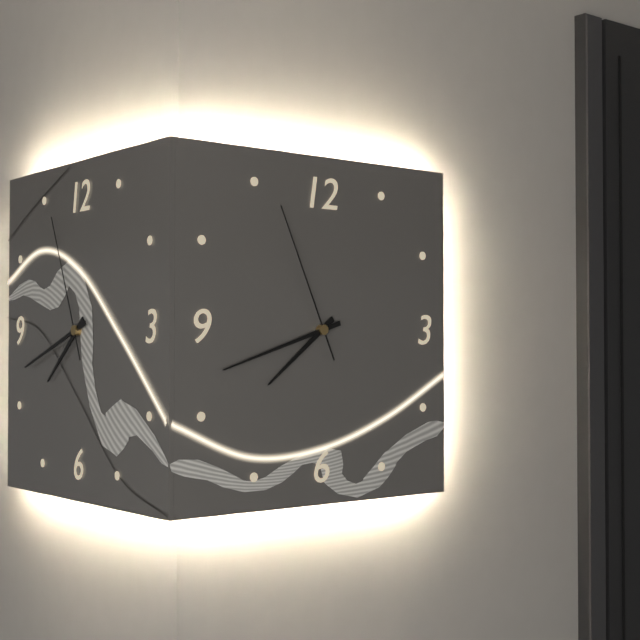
7:42:56
